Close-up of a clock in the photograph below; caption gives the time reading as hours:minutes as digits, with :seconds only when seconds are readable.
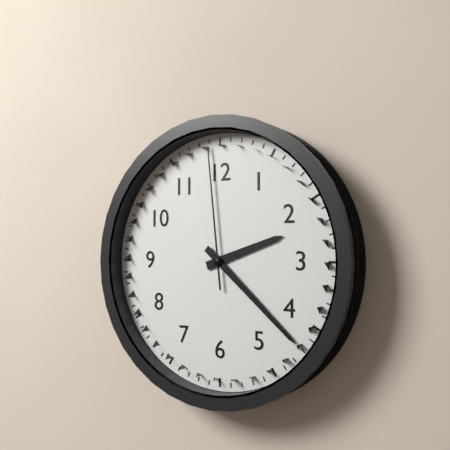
2:22:59
